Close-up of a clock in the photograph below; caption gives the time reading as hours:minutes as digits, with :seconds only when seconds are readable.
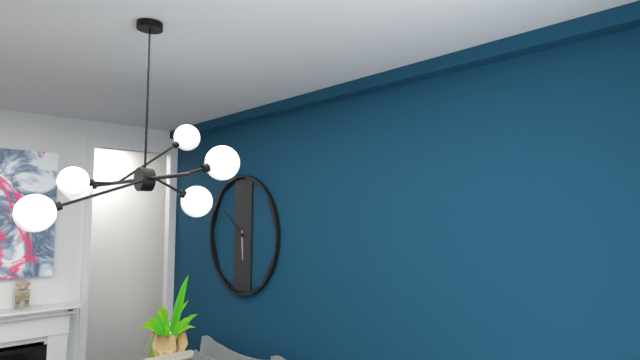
5:51
